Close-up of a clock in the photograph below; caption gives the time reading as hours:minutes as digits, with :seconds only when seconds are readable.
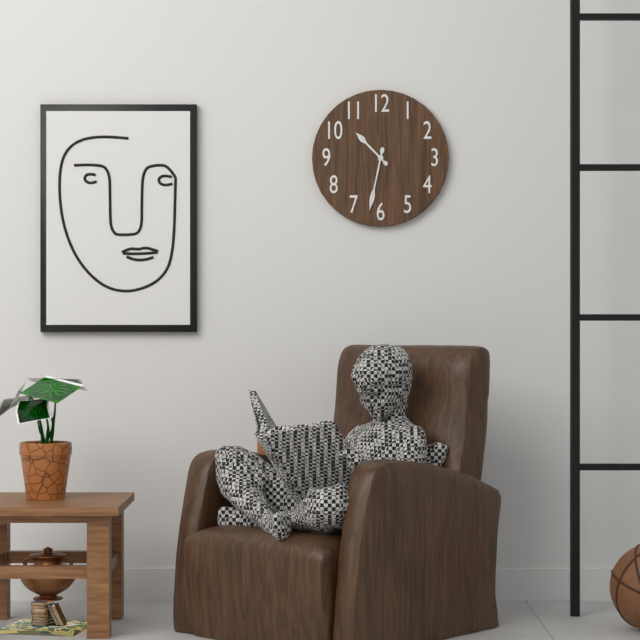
10:32
